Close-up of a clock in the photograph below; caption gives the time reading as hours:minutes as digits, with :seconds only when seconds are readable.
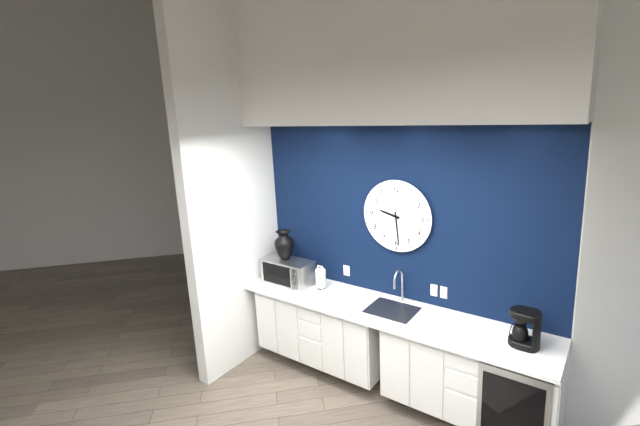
9:29
